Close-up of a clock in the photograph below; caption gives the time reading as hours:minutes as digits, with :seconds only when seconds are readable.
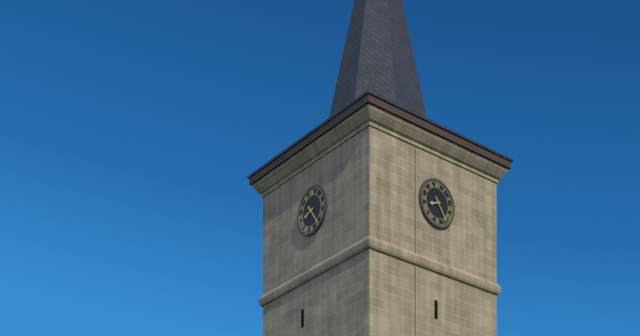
8:24
